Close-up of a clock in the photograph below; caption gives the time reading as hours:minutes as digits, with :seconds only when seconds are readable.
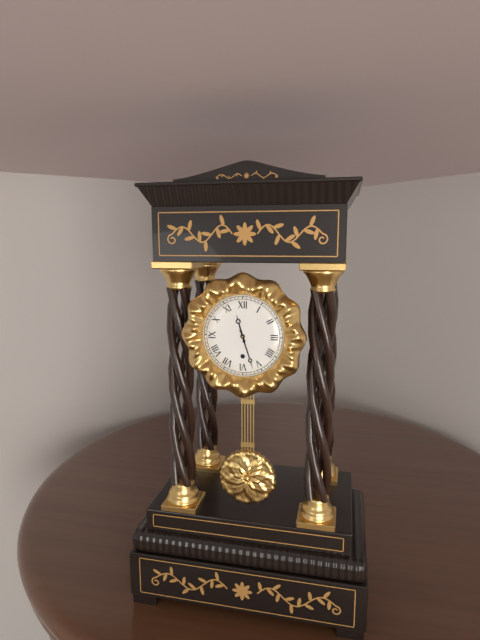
11:27
